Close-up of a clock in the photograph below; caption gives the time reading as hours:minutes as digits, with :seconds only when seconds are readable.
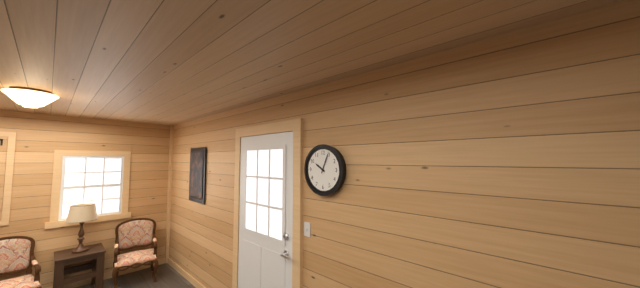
10:04
